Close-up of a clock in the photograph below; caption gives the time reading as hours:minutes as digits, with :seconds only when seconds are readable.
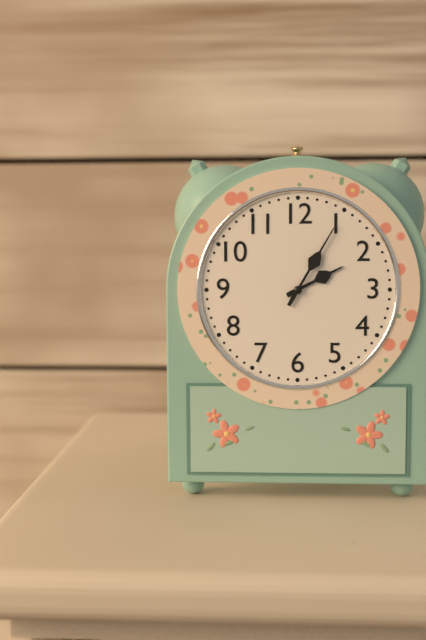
2:05
